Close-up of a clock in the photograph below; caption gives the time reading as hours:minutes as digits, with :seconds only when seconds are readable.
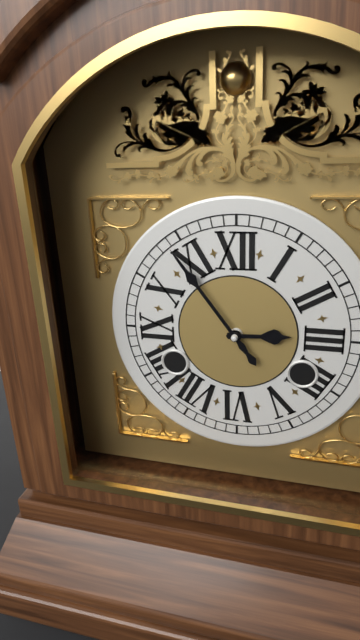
2:54
